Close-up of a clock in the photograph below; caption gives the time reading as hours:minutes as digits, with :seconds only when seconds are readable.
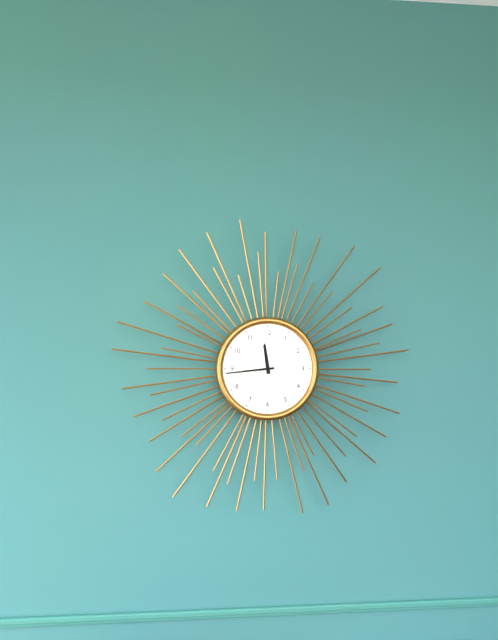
11:44
